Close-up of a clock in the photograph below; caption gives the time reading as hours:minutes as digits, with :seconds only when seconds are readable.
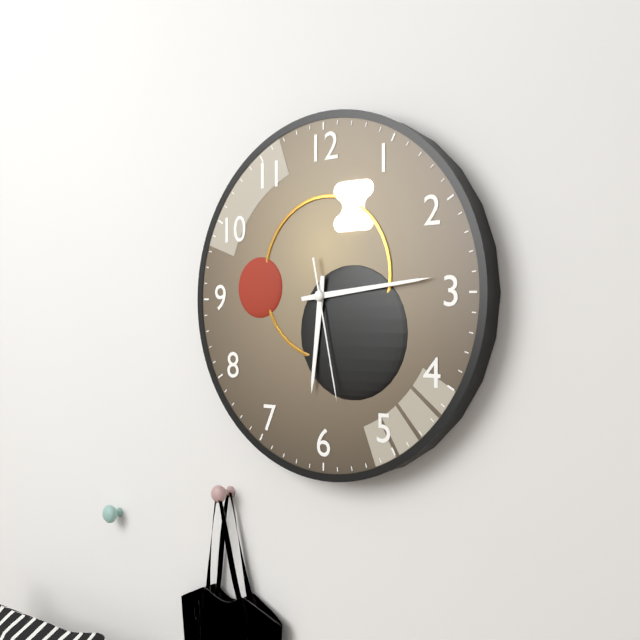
6:14:28
